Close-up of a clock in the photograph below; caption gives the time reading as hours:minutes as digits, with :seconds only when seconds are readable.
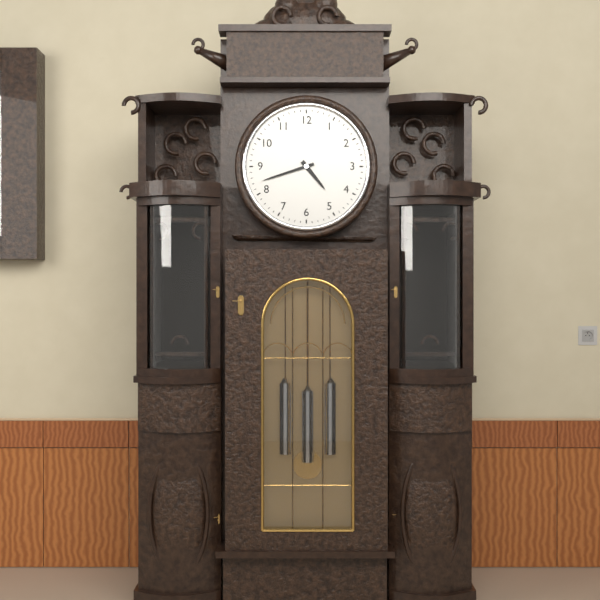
4:42
